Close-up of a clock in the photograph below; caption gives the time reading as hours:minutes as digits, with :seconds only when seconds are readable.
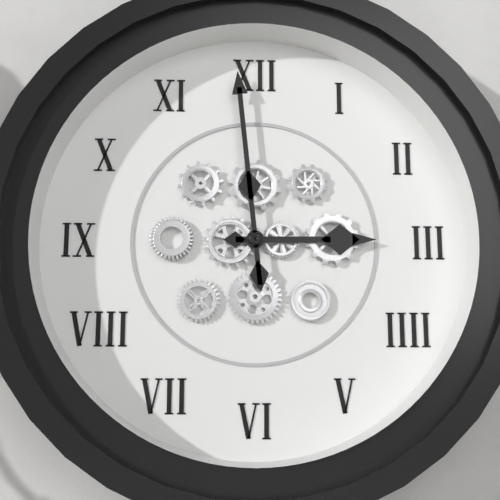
2:59
